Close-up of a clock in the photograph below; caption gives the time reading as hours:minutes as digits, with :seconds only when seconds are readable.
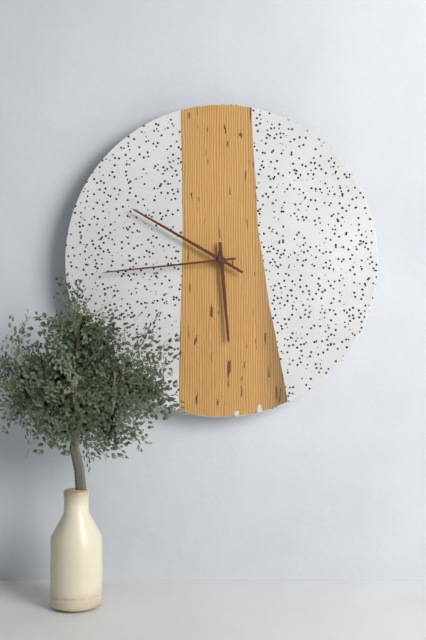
5:50:44
